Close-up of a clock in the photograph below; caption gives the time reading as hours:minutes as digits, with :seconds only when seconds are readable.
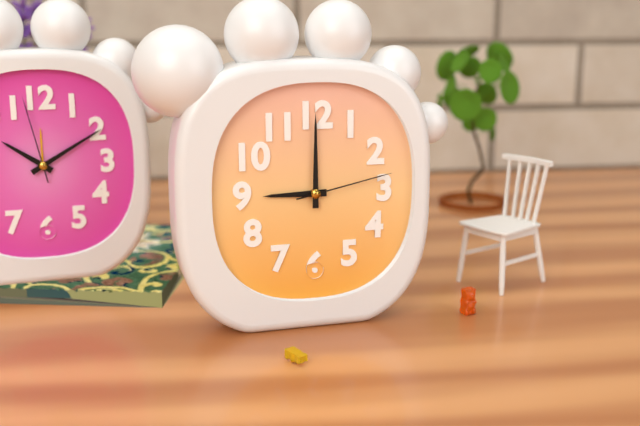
9:00:13
